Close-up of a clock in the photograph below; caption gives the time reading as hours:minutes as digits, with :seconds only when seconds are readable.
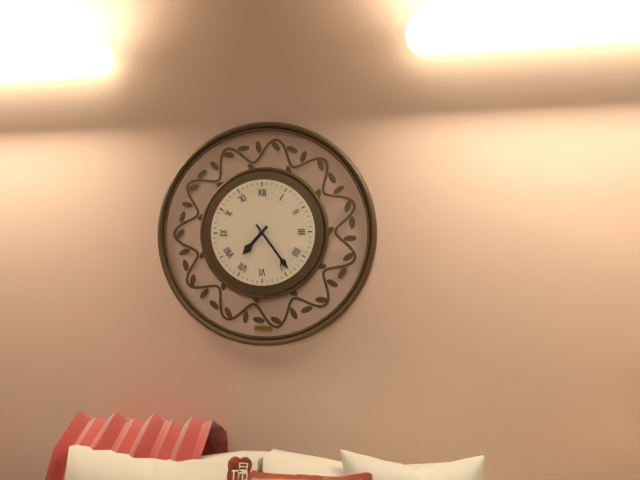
7:24
